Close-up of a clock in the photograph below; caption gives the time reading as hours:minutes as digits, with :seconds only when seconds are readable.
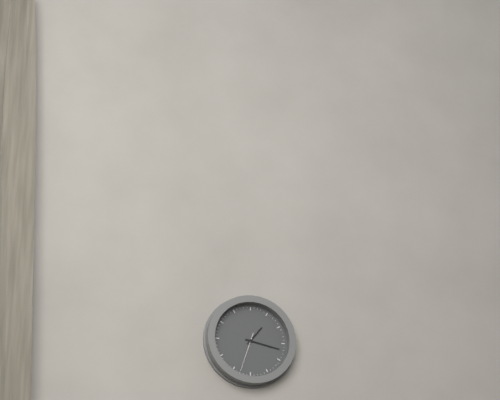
1:17
